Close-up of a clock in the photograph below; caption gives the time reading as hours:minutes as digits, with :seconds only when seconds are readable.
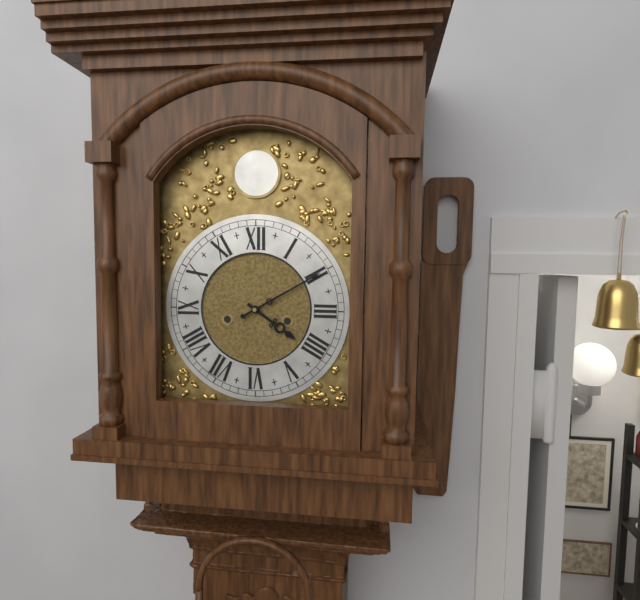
4:10
